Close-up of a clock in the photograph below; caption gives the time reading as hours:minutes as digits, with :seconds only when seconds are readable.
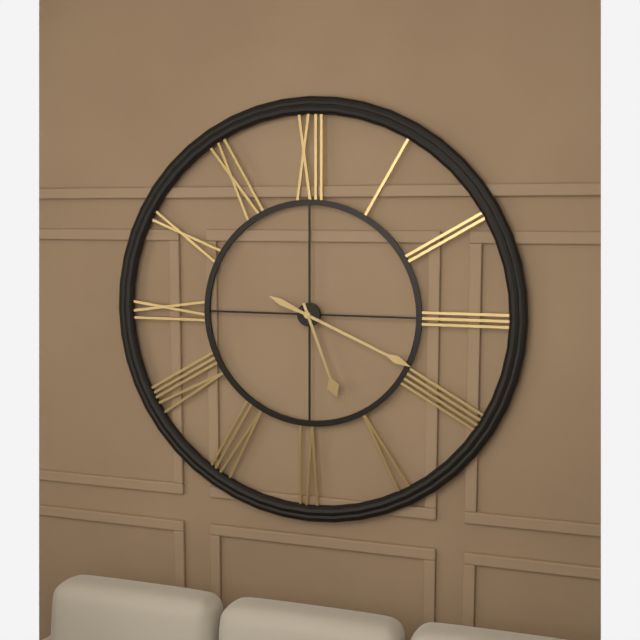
5:19
